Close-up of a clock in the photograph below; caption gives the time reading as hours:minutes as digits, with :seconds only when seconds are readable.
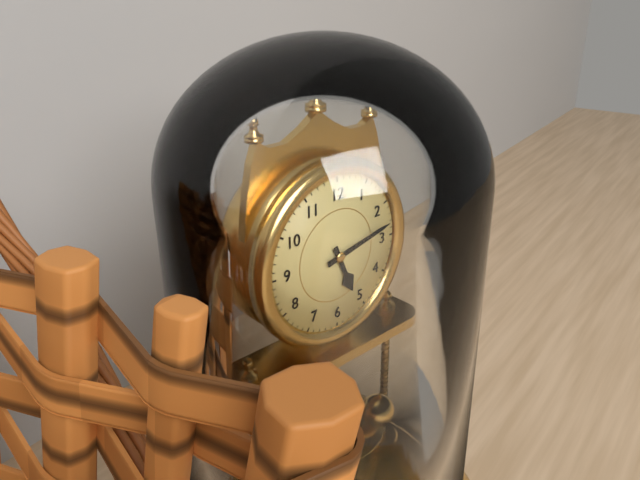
5:13
